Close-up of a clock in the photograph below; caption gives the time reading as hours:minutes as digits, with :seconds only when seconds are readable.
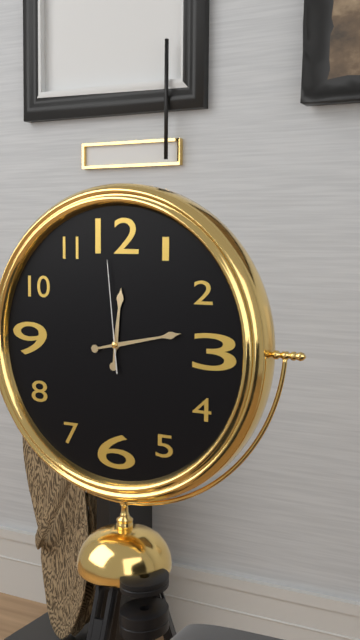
12:13:59
